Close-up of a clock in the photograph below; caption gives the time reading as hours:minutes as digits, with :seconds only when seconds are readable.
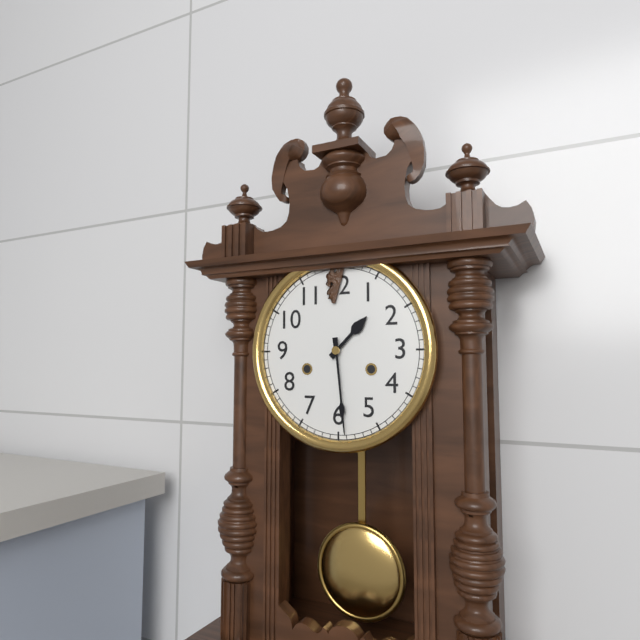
1:29
